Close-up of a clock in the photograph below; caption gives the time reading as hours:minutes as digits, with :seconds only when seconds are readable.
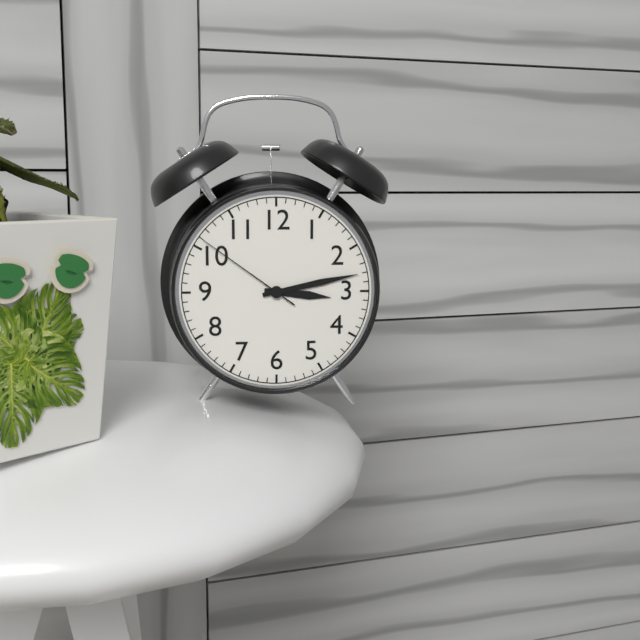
3:13:51
